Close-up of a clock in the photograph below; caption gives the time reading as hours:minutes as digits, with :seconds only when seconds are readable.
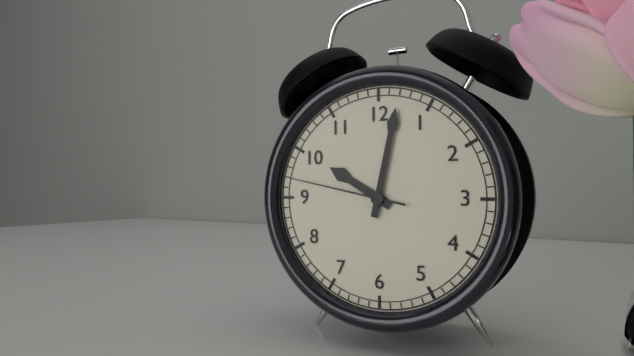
10:02:47
